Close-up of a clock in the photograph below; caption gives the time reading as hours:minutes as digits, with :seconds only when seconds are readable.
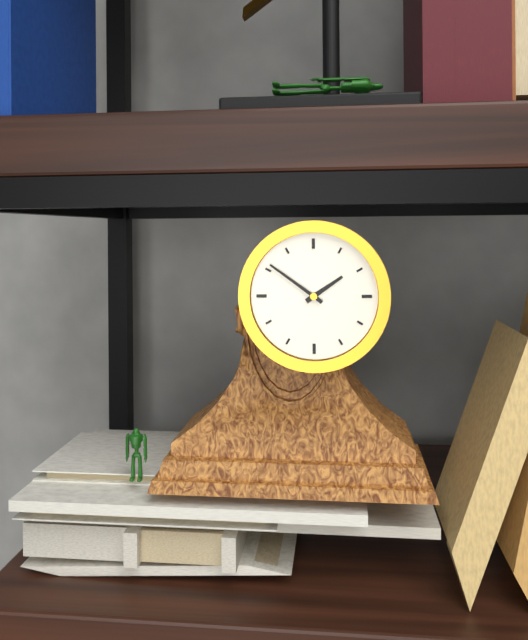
1:51
